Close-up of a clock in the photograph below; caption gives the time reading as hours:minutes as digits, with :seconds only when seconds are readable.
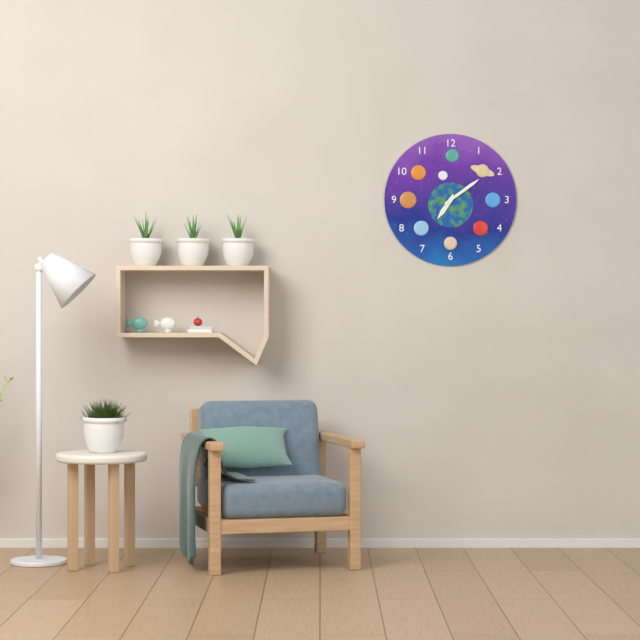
7:09
